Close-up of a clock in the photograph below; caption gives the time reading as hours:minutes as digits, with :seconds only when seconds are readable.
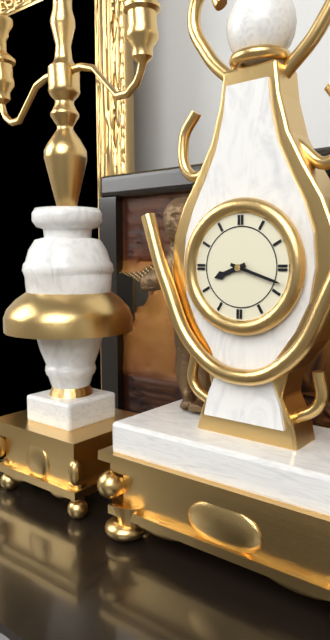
8:18
